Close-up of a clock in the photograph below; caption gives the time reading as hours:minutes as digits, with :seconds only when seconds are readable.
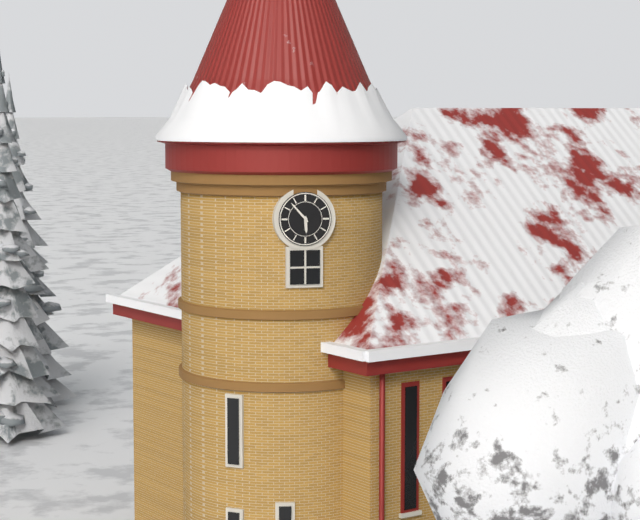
5:53
